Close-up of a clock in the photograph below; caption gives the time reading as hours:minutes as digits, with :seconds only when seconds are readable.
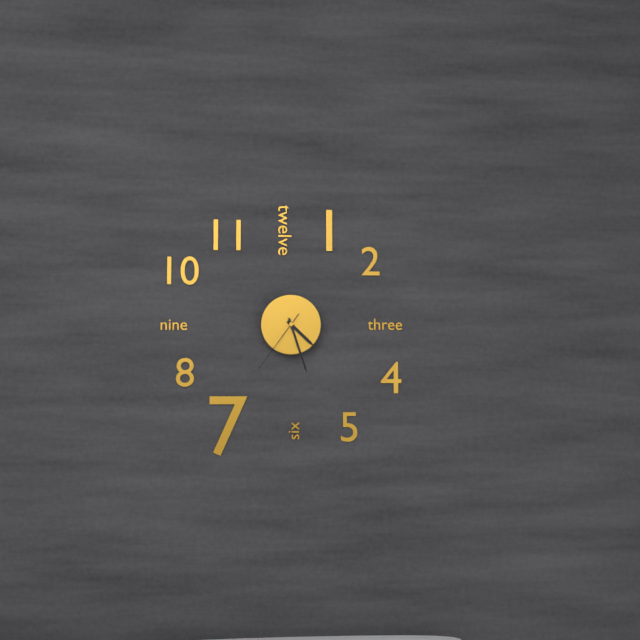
4:27:36
